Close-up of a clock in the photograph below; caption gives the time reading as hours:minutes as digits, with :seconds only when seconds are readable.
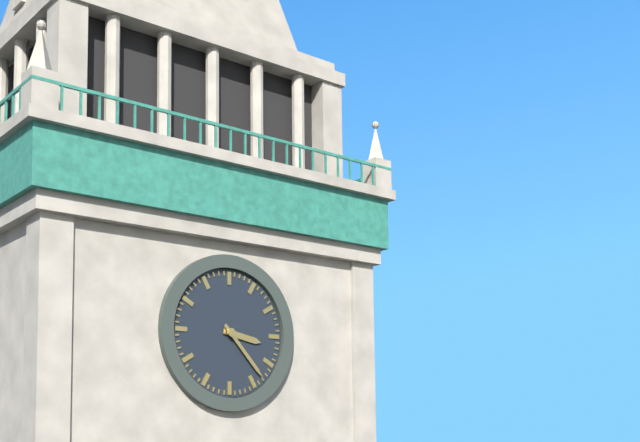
3:23
